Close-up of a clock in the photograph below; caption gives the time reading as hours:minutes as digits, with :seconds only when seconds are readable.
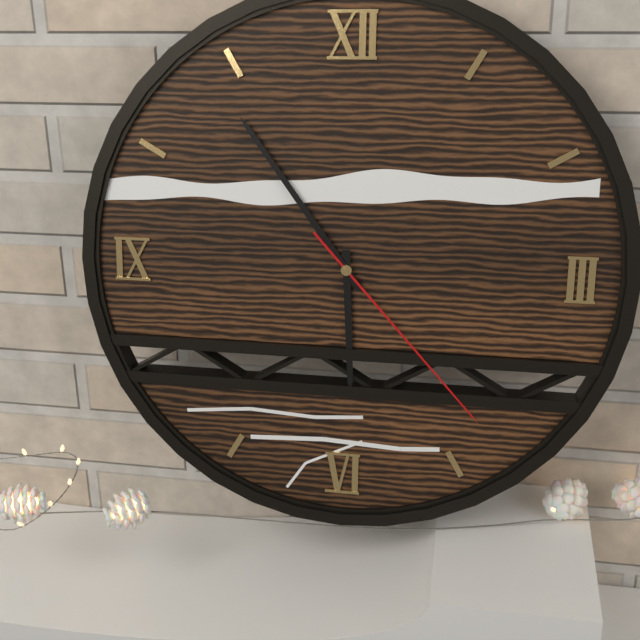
5:54:23
